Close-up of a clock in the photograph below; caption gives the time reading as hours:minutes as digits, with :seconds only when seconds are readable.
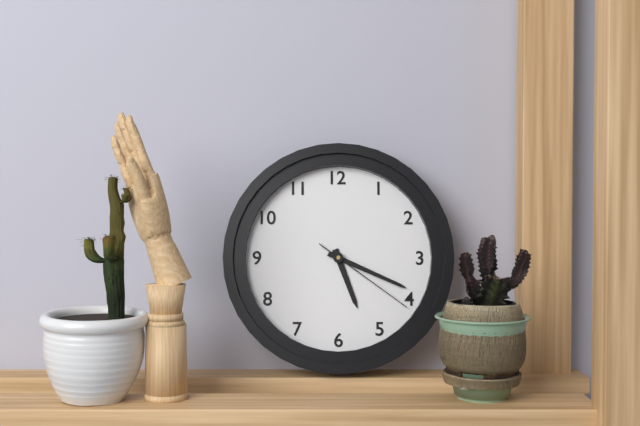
5:19:21
